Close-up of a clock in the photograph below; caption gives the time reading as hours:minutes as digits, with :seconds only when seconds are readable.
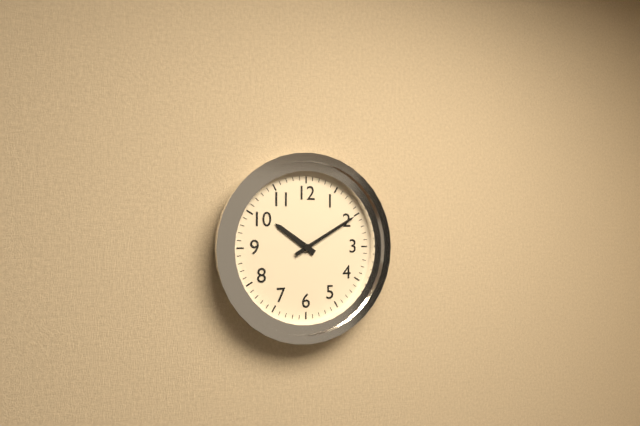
10:10
